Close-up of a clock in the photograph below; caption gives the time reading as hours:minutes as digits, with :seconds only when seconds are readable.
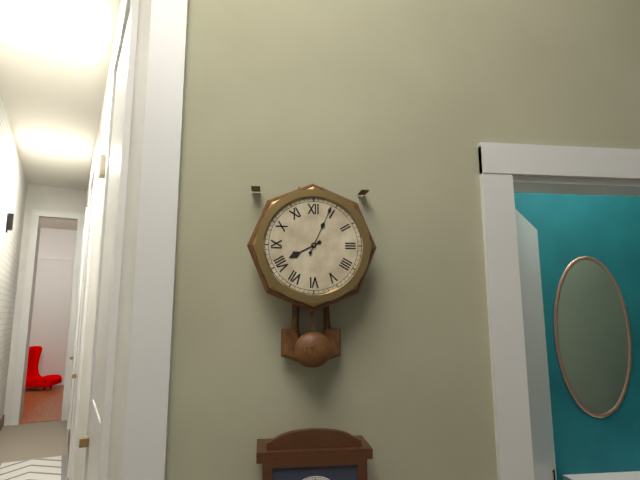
8:04
